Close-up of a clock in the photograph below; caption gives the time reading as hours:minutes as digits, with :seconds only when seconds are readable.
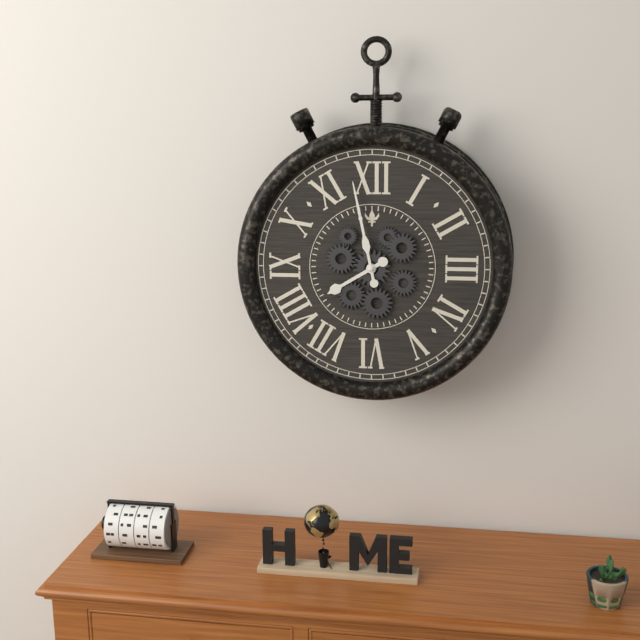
7:58
